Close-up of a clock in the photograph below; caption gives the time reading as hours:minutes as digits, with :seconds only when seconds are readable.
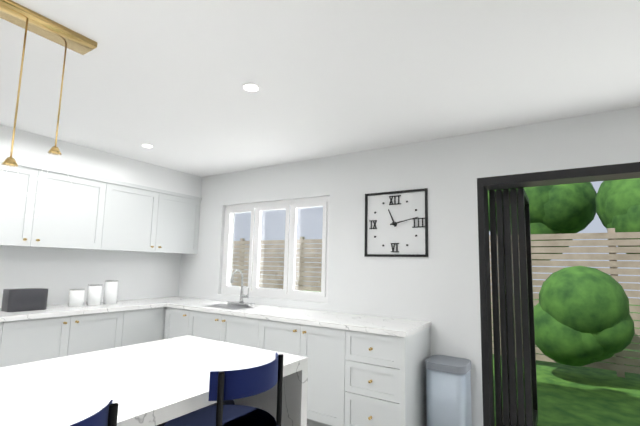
11:13
